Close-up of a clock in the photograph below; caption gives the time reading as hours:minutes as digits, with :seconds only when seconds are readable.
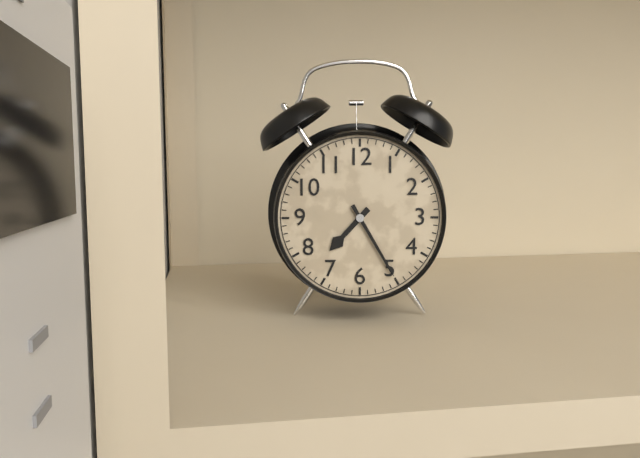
7:25
